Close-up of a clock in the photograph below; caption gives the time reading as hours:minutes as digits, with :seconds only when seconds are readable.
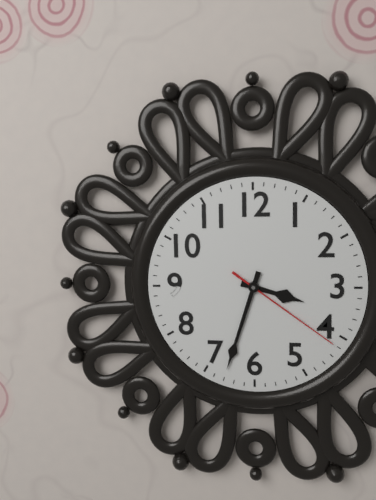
3:33:21
